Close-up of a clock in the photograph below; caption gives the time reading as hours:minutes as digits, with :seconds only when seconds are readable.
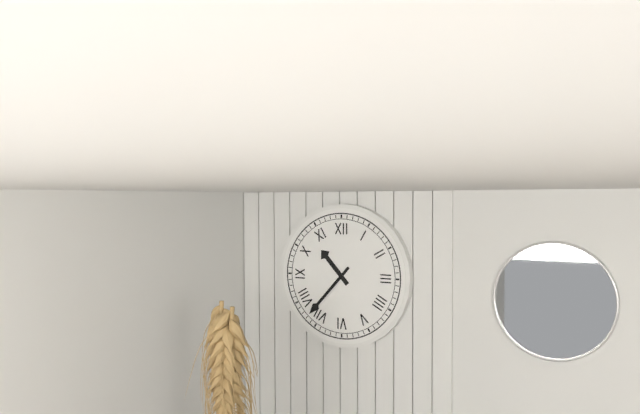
10:37
